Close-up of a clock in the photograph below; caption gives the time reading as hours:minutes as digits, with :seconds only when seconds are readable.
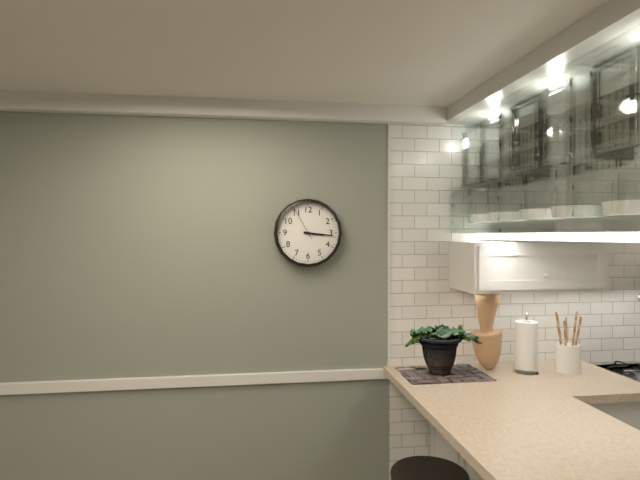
3:16
